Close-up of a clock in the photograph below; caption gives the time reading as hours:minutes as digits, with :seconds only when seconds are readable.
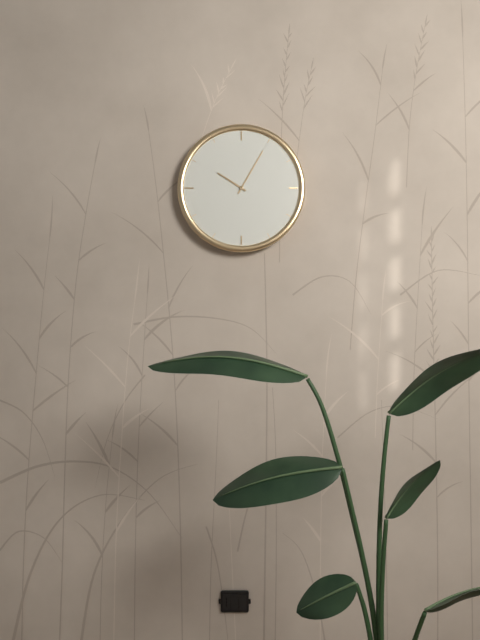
10:05
